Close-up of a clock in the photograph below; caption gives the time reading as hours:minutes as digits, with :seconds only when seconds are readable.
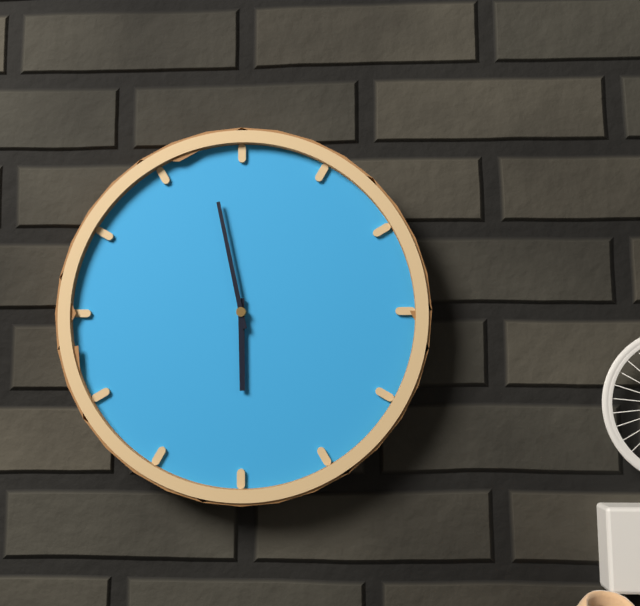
5:58
